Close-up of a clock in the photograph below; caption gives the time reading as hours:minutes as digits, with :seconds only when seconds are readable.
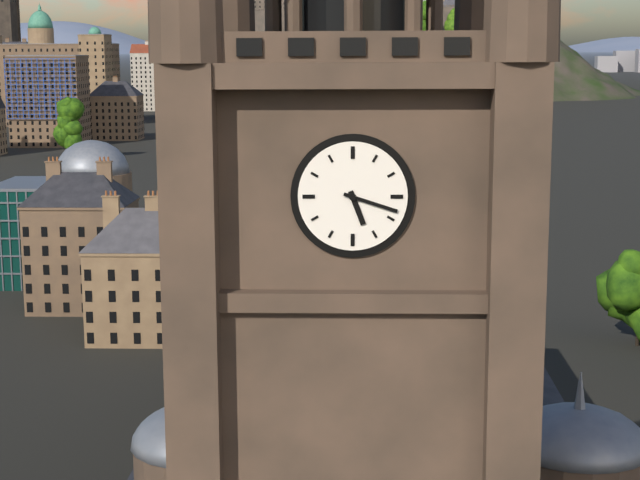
5:18
